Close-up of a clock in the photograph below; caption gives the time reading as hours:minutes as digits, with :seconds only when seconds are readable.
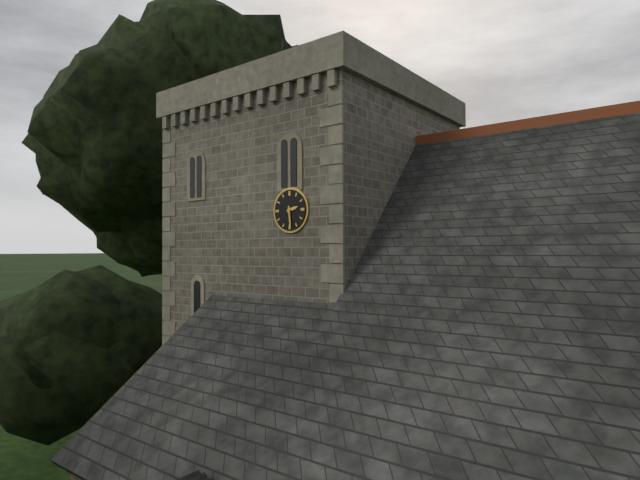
2:29
